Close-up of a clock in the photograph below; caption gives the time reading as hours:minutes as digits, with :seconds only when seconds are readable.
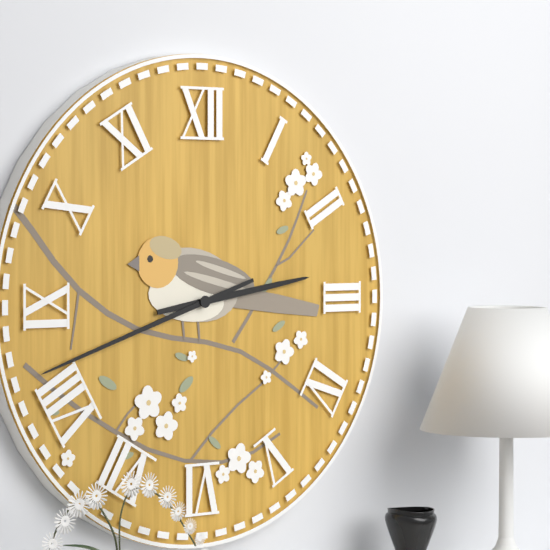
2:42
